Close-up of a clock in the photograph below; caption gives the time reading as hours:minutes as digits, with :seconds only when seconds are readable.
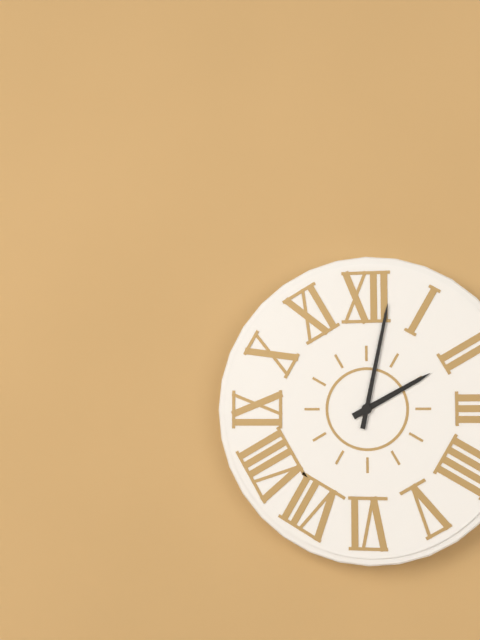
2:02
